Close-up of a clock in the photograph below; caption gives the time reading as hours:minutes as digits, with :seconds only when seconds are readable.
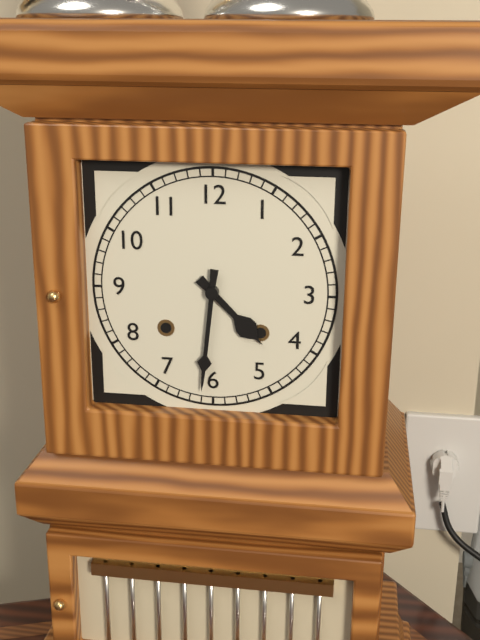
4:31
